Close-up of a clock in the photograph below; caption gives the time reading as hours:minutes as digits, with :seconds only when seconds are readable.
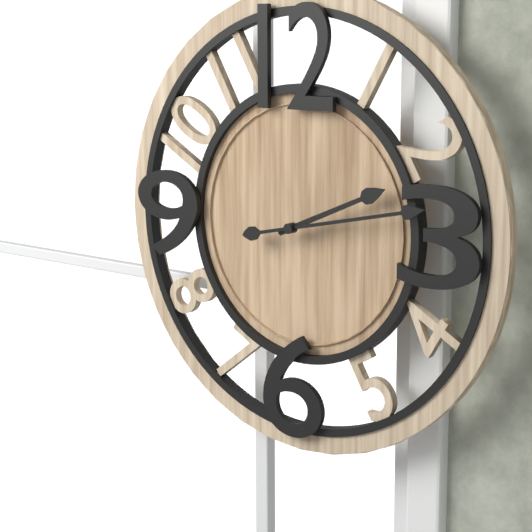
2:13
